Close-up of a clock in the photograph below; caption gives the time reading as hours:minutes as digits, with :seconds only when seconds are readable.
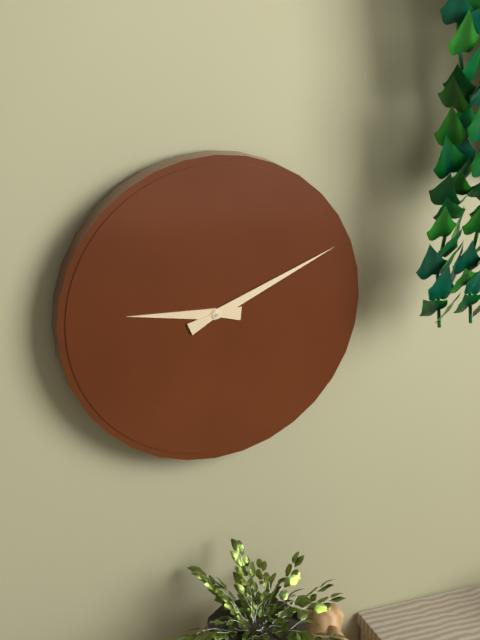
9:11
